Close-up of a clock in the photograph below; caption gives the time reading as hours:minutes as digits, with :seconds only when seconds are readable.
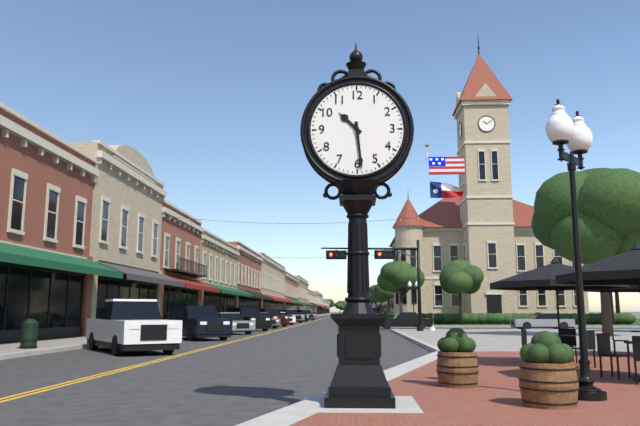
10:29
